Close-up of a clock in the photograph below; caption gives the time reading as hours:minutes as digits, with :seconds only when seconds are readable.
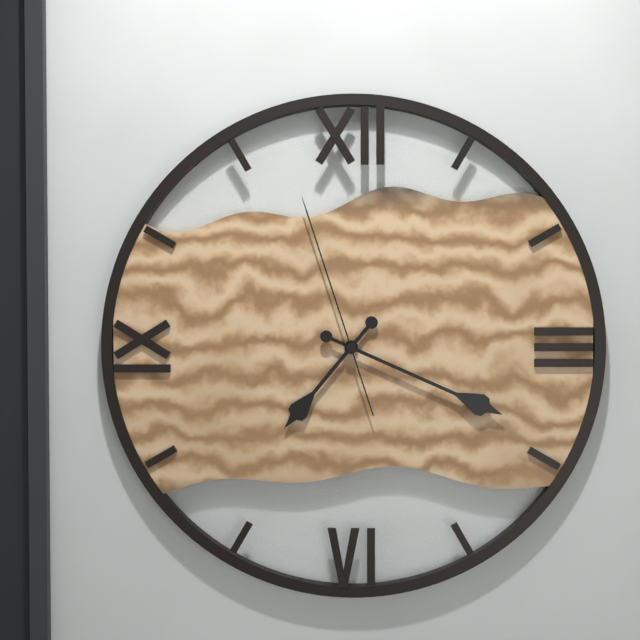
7:19:57
